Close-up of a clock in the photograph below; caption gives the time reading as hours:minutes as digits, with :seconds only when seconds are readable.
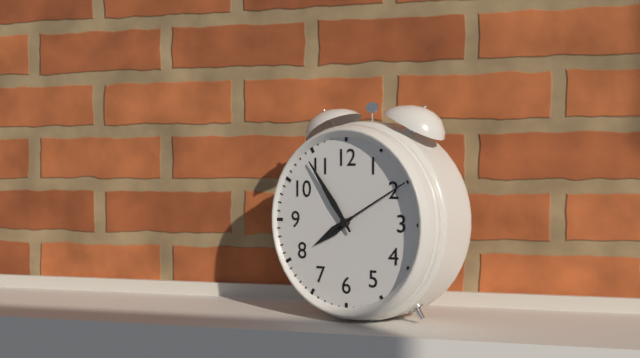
7:54:10
